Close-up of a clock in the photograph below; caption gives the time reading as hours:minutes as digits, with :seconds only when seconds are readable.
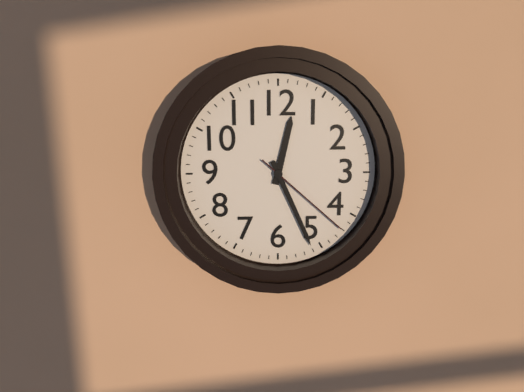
12:26:22
